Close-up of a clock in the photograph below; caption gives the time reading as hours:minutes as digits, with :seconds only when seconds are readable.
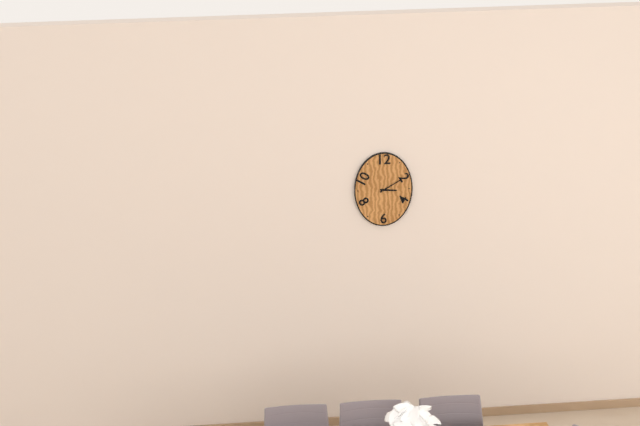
3:10
